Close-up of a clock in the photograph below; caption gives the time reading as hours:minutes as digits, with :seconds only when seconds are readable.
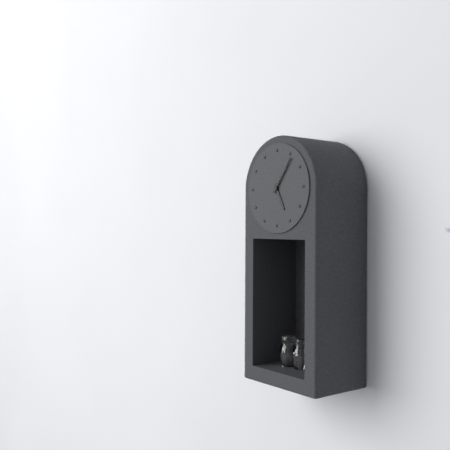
5:06
